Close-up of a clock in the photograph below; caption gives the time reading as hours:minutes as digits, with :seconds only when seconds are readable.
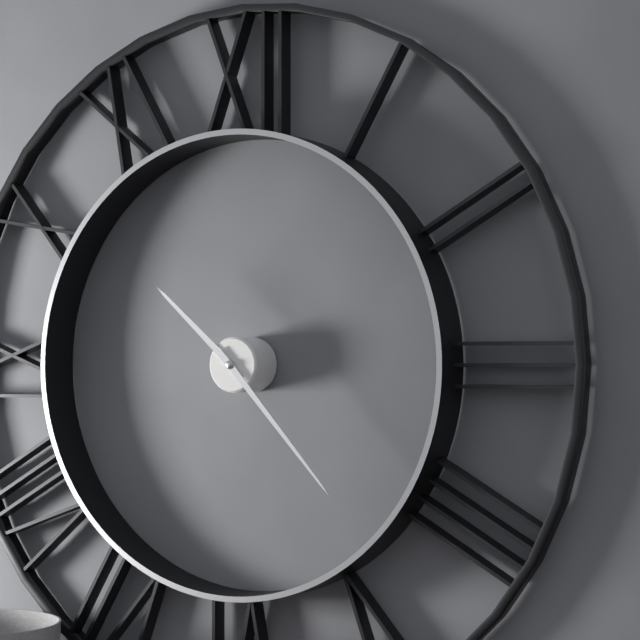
10:23
